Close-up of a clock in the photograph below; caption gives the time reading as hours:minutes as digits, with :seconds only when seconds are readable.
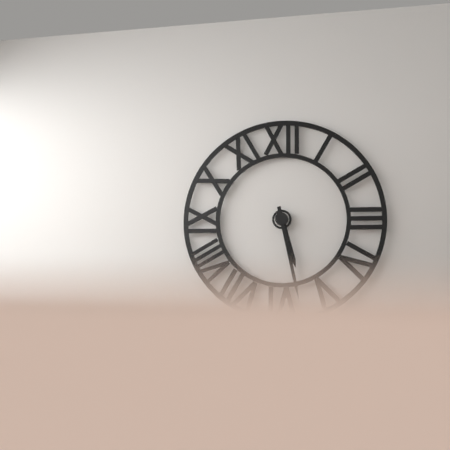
5:28
